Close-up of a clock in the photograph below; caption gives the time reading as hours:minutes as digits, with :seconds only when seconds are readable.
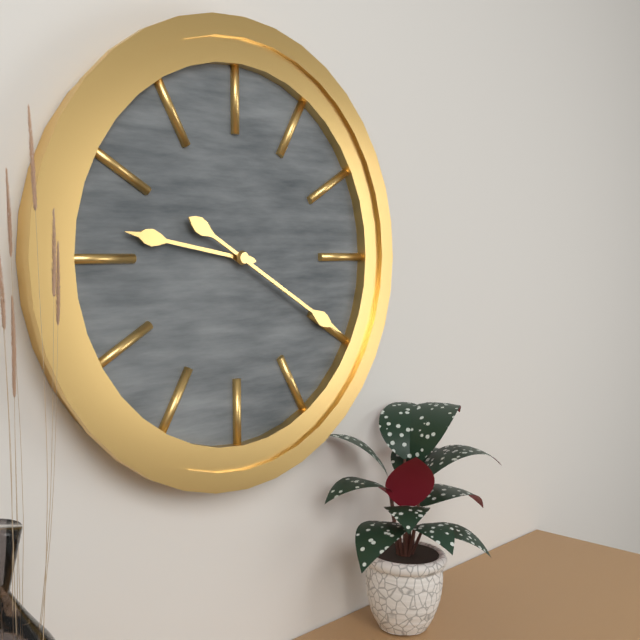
9:20
